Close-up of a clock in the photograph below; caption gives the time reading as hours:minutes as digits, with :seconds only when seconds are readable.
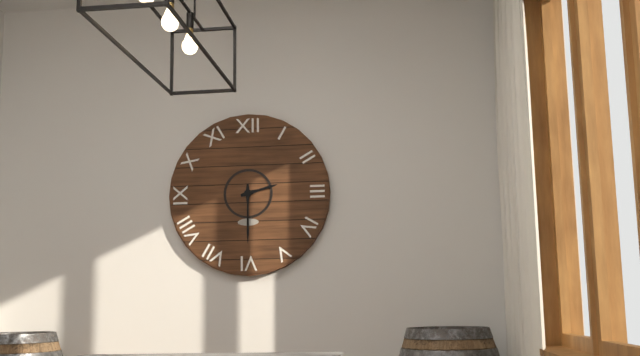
2:30
